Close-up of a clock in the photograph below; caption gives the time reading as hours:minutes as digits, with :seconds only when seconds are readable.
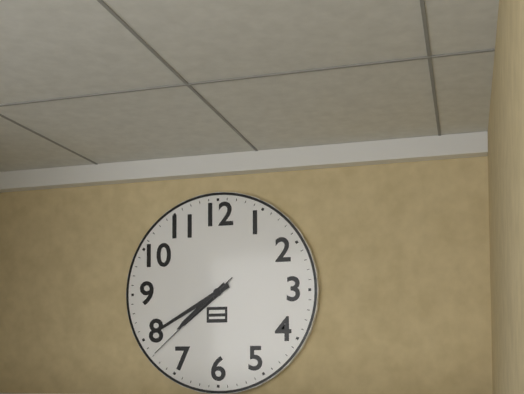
7:40:38
